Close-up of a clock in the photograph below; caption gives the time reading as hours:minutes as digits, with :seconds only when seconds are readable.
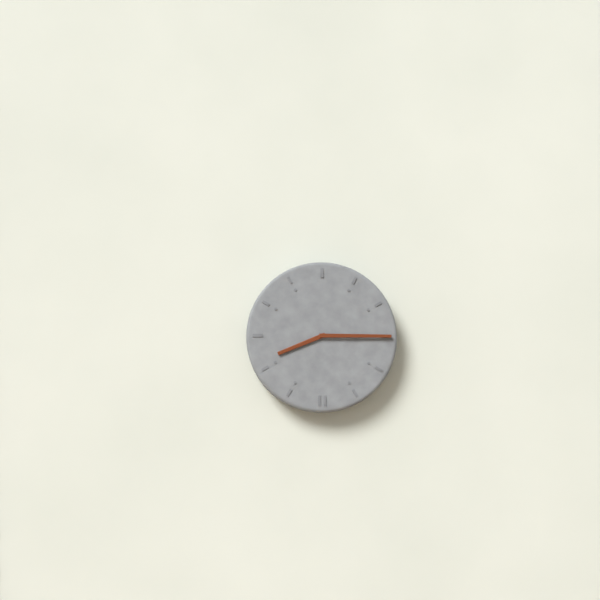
8:15
